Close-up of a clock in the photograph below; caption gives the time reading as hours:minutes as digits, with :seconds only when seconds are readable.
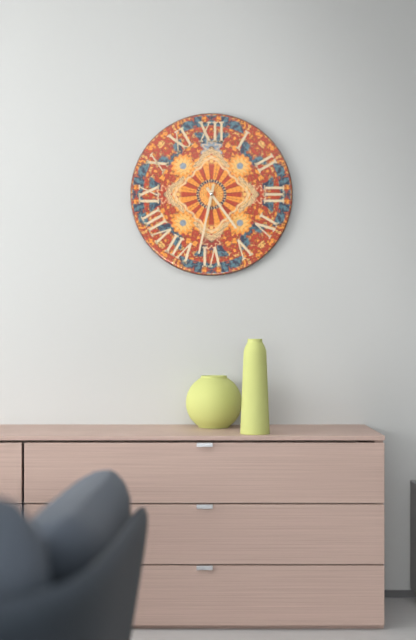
6:24:32
